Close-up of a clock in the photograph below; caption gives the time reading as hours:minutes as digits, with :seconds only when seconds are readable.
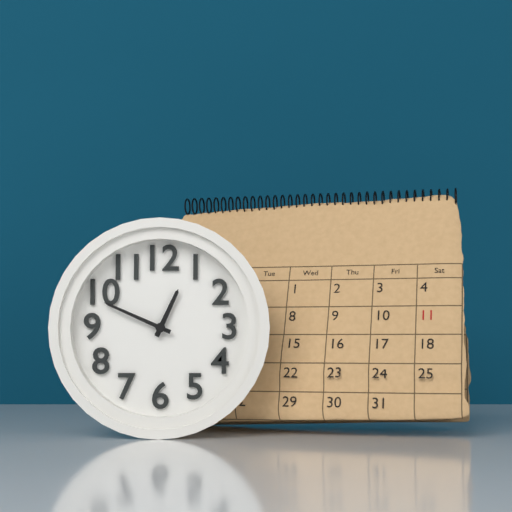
12:49
